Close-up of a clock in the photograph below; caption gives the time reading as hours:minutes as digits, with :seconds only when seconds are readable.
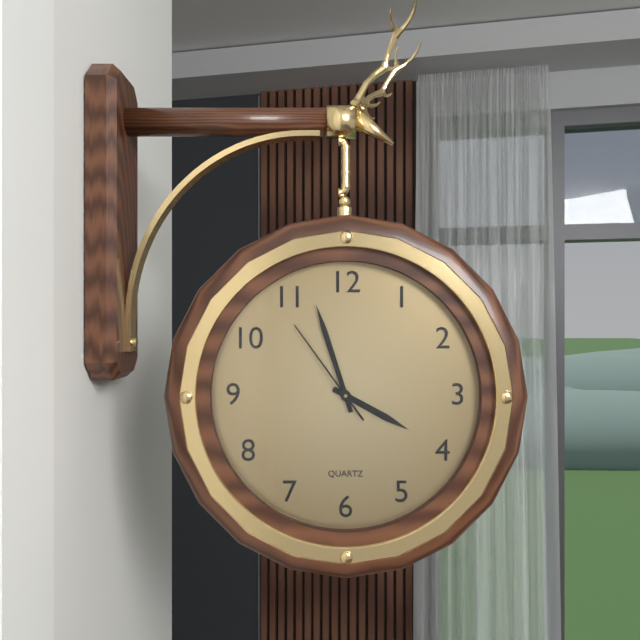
3:57:54
